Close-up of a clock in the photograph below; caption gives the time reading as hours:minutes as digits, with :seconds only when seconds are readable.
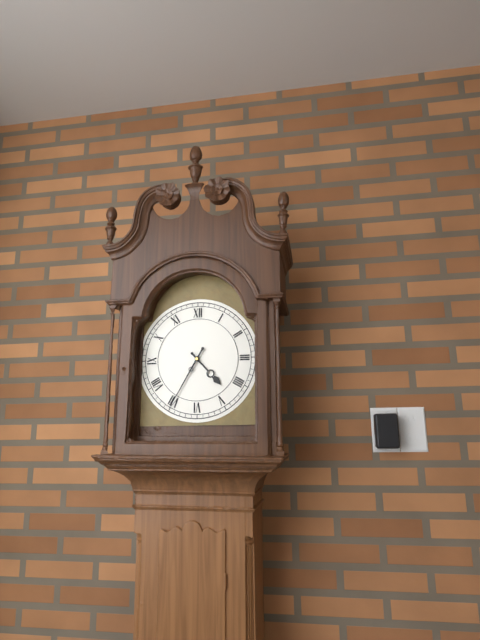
4:35
